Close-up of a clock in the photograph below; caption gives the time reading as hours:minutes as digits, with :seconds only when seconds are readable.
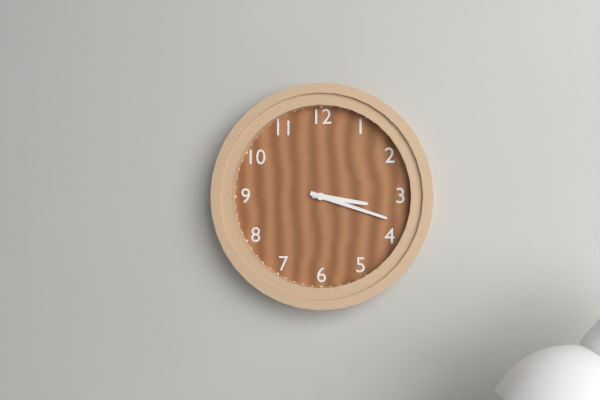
3:18
